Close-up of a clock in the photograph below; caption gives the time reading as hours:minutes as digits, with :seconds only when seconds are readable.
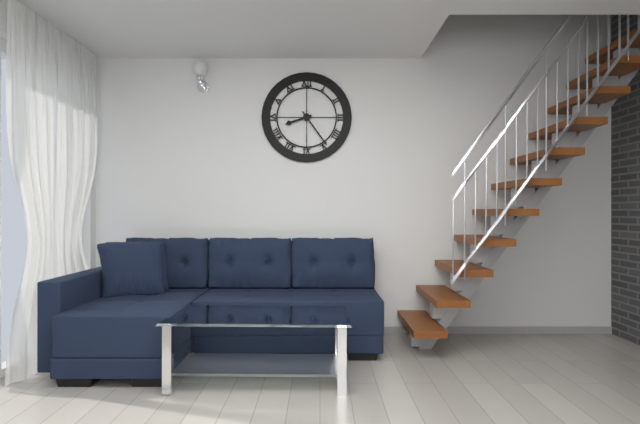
8:24
